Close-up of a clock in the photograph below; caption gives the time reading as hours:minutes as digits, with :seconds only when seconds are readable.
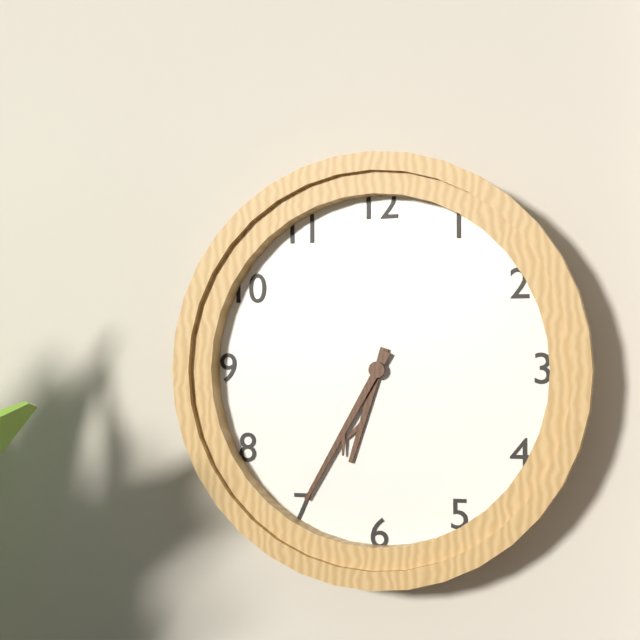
6:35
